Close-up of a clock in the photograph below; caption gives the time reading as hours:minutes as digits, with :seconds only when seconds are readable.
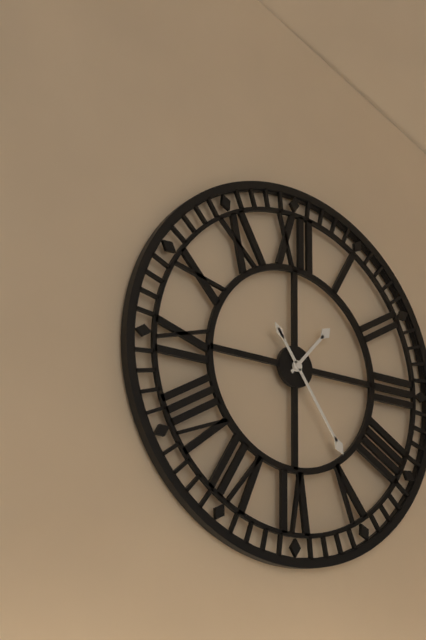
1:24
